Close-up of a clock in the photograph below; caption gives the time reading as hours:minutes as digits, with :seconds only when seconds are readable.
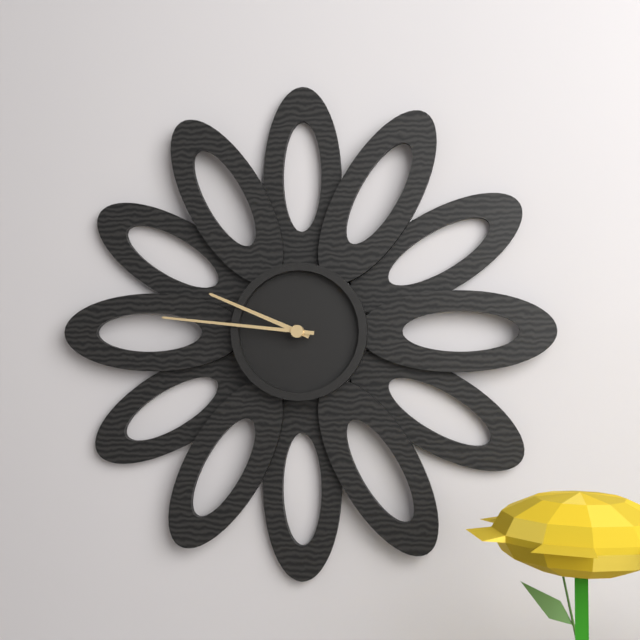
9:46
